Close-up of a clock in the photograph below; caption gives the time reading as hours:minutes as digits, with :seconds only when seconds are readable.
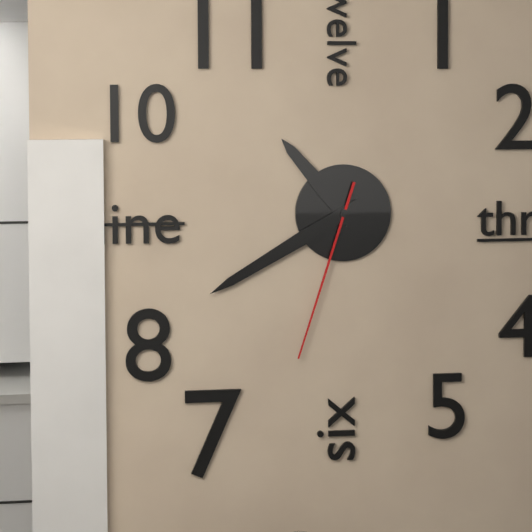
10:40:33
